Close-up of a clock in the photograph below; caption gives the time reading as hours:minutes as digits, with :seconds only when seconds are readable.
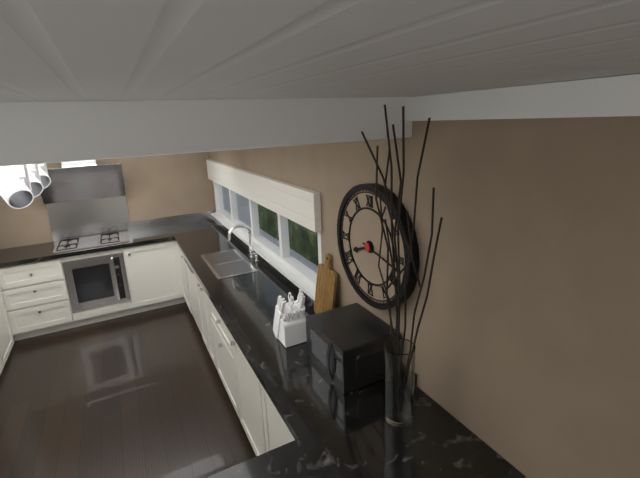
8:17
